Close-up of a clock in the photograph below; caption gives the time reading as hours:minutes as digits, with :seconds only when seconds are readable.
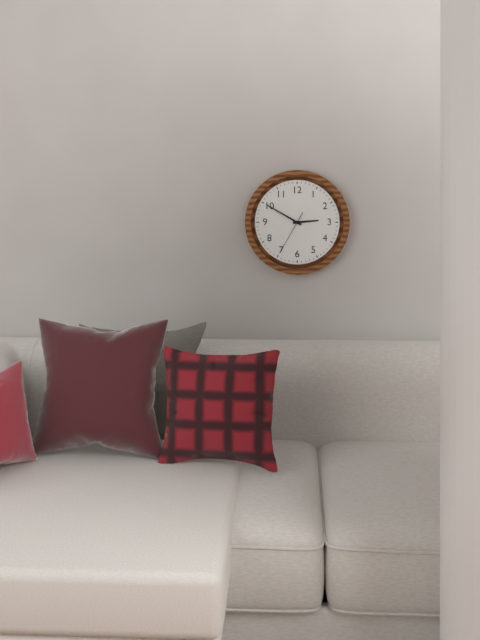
2:50
